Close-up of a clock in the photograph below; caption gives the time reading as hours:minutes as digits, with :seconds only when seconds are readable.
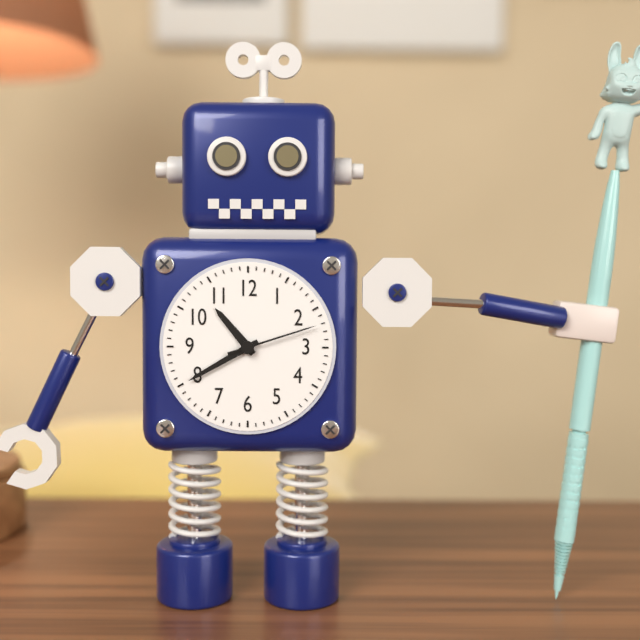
10:40:12
